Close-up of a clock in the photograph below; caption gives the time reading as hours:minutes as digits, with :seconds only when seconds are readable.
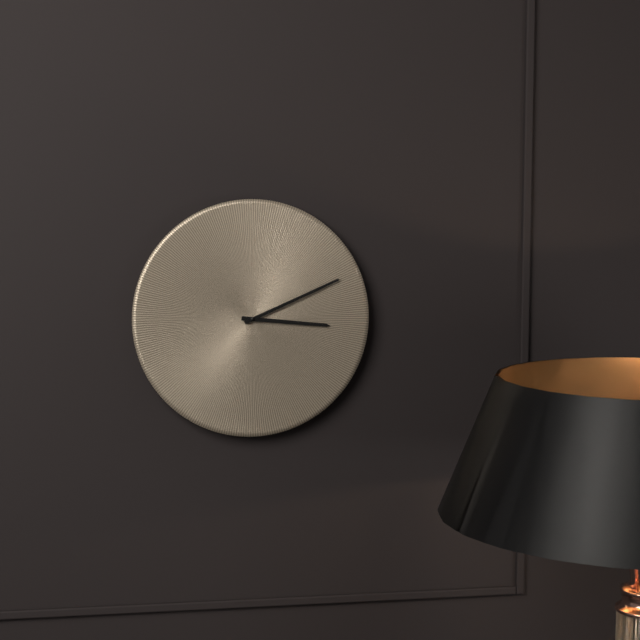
3:11
